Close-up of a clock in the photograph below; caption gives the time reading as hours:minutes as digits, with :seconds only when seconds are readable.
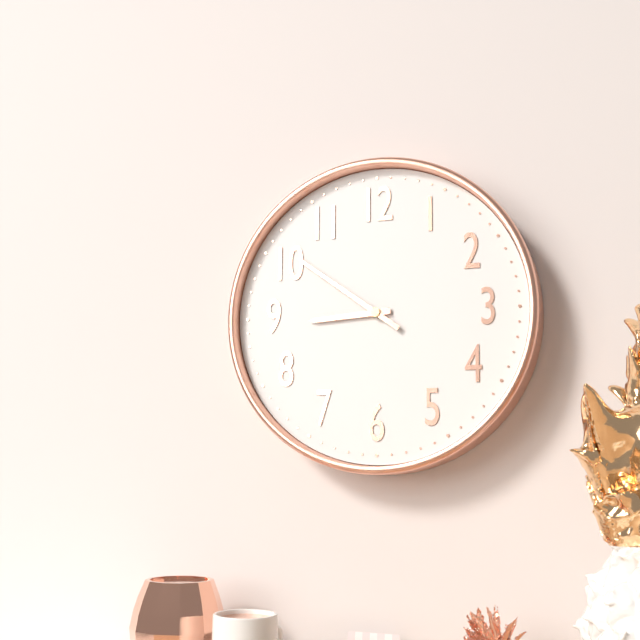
8:51
